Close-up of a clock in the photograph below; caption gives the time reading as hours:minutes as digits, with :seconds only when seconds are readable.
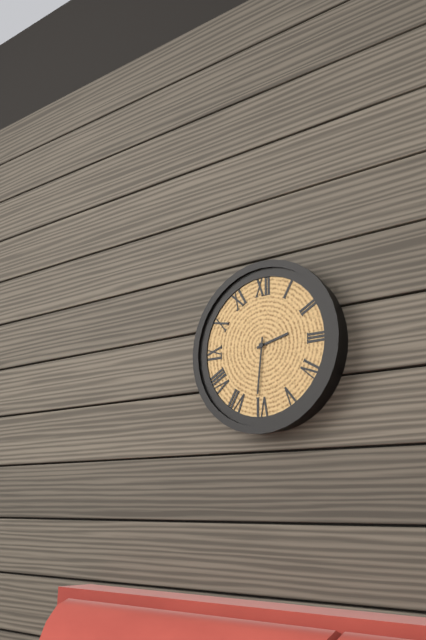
2:31
